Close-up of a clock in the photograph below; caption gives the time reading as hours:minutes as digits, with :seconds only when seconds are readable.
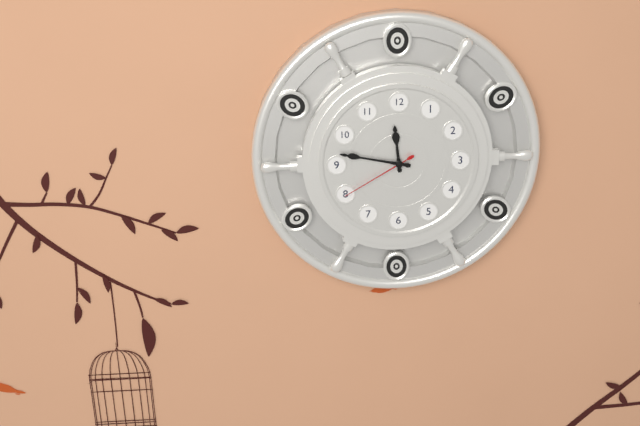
11:47:40
